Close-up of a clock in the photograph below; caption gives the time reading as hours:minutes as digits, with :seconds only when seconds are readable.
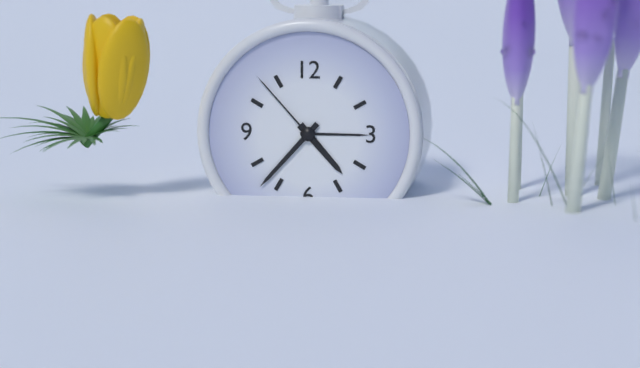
4:37:53
